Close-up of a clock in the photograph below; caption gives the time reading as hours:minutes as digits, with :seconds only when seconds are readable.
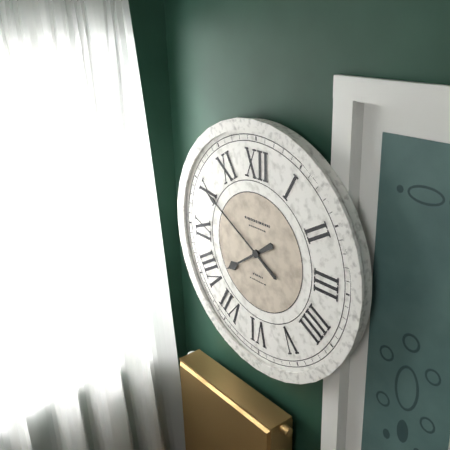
7:50
